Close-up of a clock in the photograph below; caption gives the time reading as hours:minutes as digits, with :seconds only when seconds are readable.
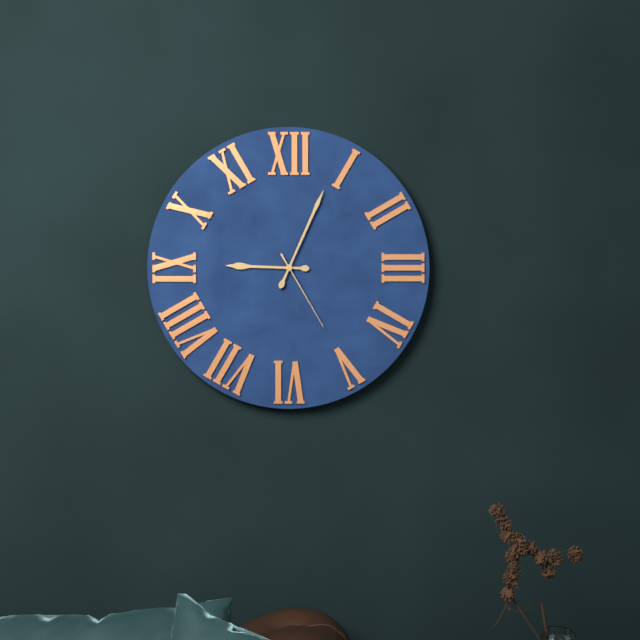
9:04:25
